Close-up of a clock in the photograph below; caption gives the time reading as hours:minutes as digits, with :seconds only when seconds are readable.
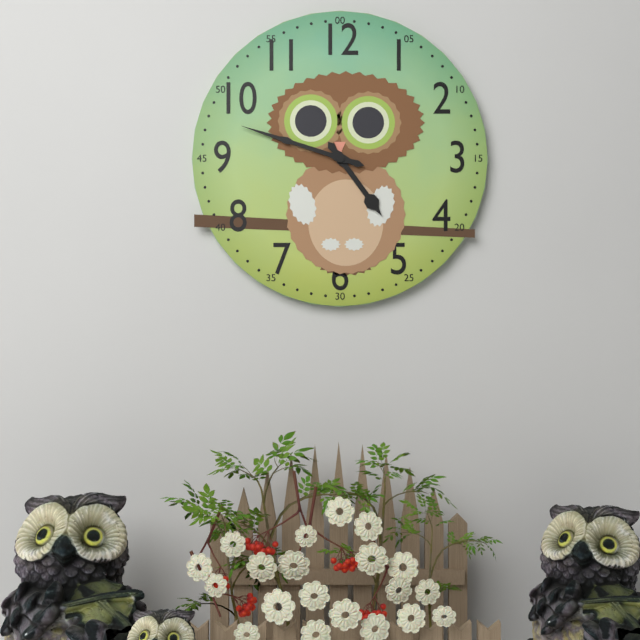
4:48
